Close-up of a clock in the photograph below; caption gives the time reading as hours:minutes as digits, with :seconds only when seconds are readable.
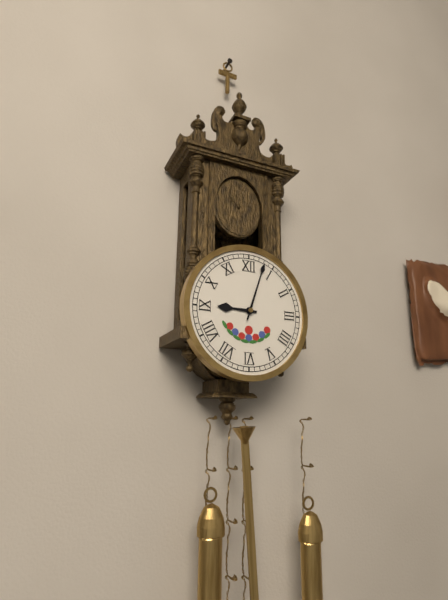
9:03
